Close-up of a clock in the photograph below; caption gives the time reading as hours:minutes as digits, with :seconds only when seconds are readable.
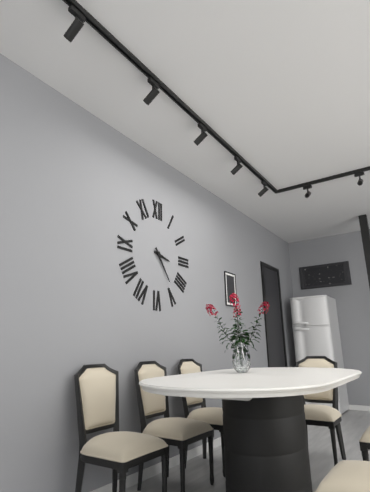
3:24
